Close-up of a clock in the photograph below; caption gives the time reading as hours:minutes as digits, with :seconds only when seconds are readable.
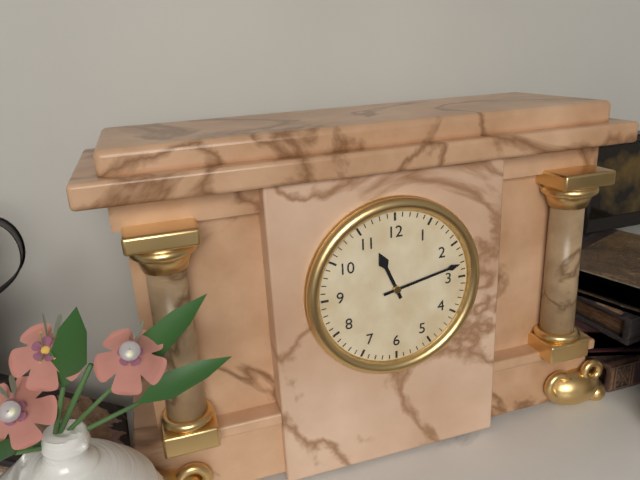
11:13
